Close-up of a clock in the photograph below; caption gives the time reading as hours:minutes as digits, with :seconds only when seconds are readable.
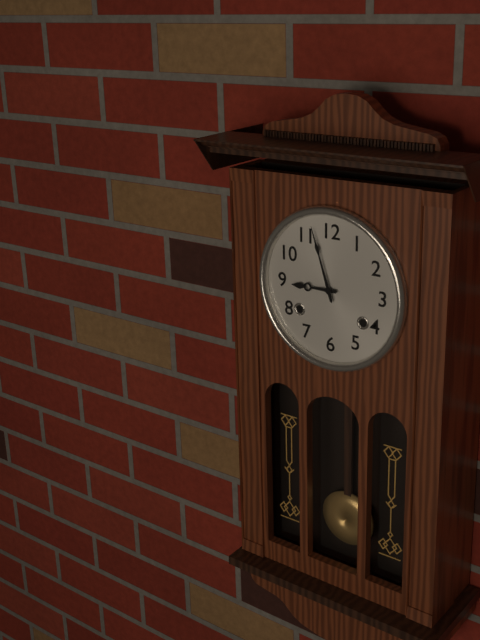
8:57
